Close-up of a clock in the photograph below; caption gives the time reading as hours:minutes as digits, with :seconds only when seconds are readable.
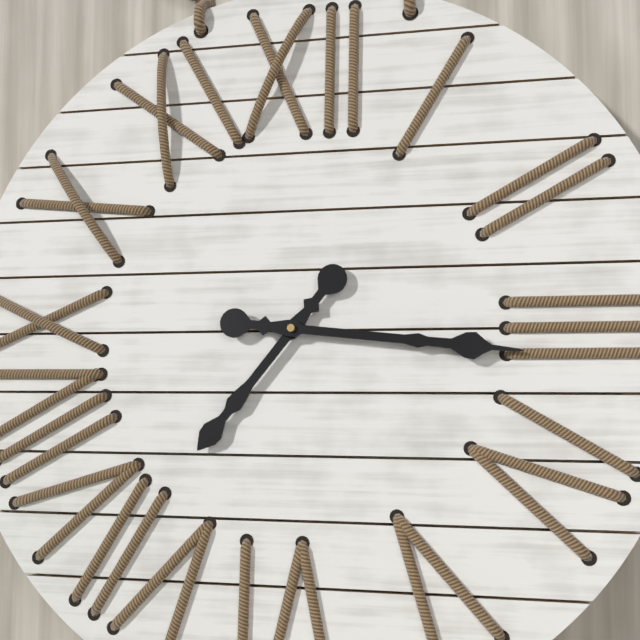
7:16
